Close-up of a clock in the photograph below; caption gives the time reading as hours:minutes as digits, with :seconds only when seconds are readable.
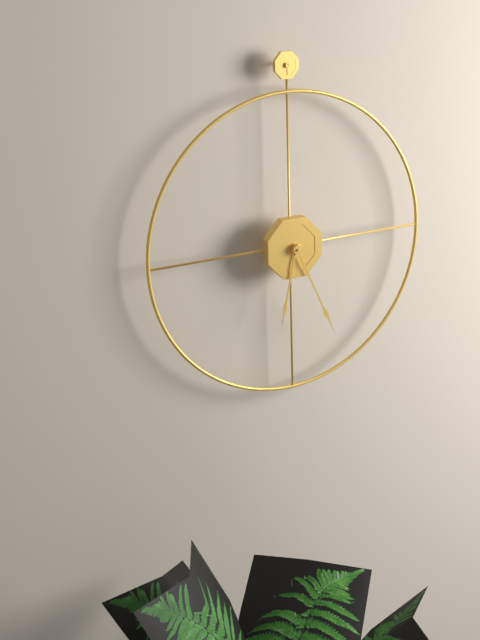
6:26
